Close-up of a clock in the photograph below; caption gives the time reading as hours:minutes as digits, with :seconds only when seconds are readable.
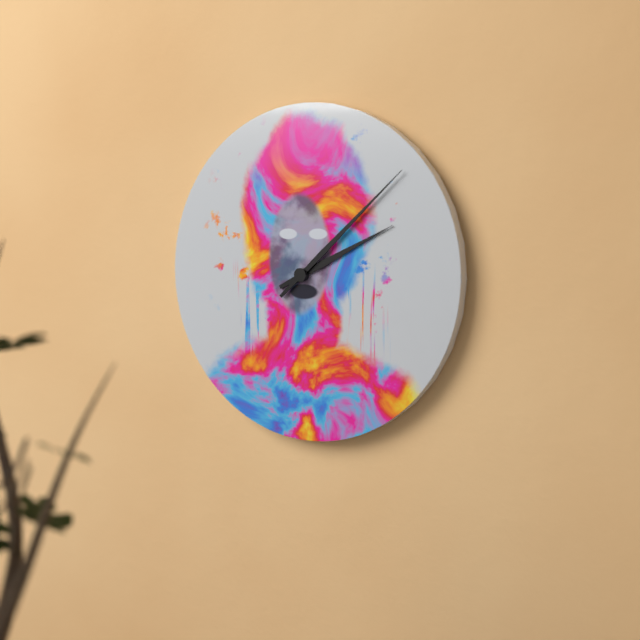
2:08
